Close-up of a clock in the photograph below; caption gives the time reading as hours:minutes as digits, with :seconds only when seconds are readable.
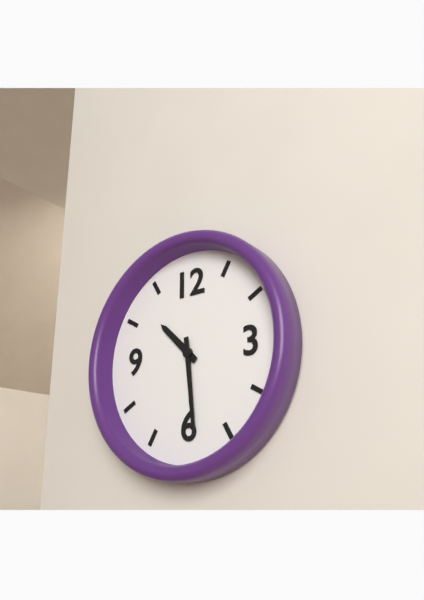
10:29
